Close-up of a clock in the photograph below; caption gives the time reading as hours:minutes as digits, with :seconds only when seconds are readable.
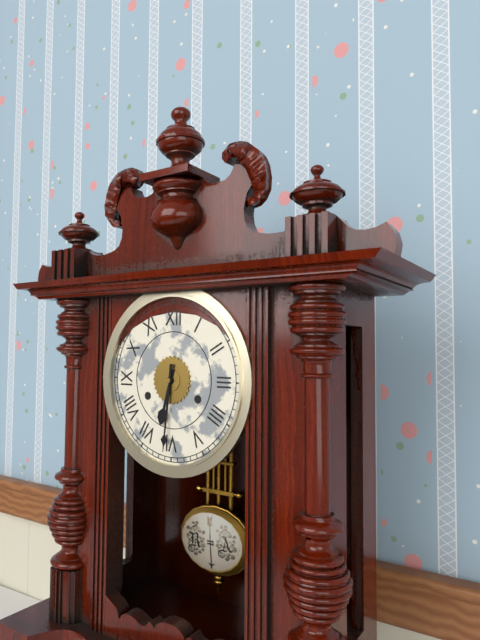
6:31
